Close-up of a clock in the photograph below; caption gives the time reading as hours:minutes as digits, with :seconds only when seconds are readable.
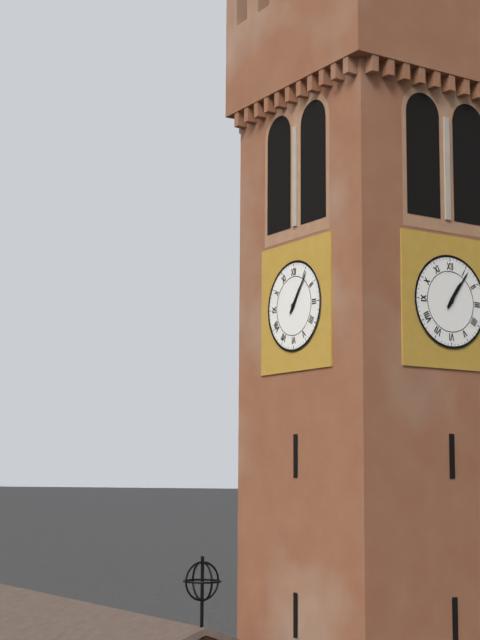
1:06
